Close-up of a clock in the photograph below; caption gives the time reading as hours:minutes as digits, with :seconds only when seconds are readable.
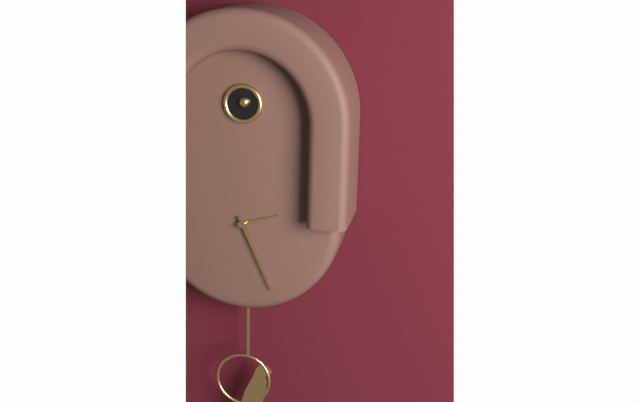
2:26
